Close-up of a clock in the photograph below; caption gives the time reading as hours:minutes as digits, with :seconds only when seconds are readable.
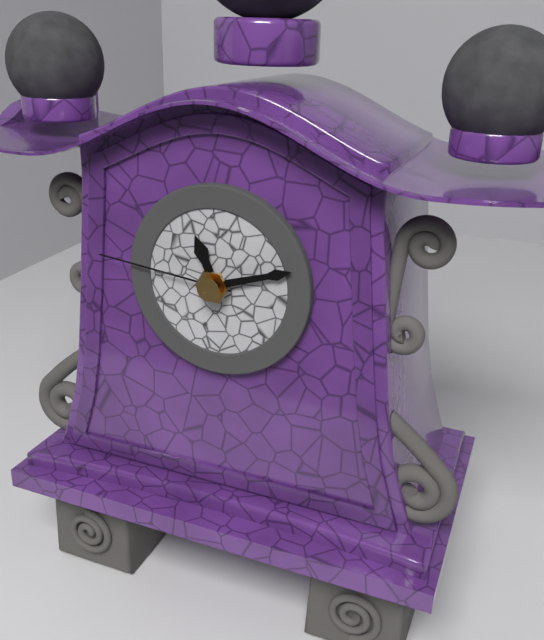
11:12:46
